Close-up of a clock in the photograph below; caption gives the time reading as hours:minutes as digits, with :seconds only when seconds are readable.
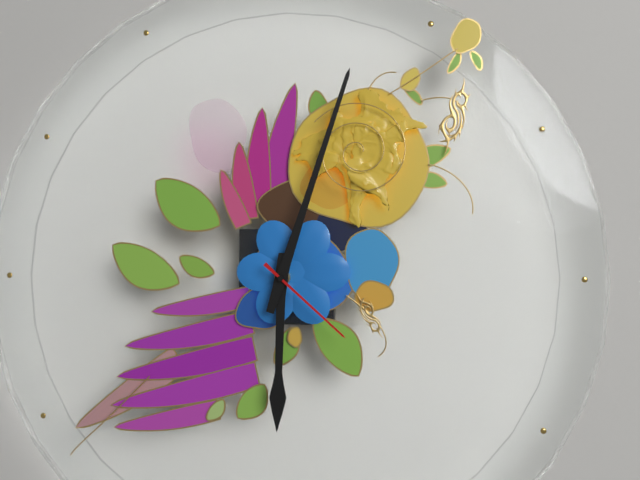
6:03:22
